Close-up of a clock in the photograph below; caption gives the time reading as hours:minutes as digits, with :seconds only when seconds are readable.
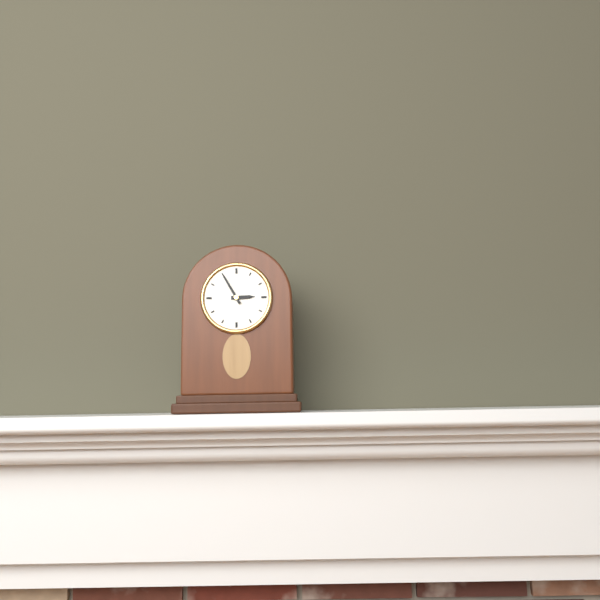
2:55
